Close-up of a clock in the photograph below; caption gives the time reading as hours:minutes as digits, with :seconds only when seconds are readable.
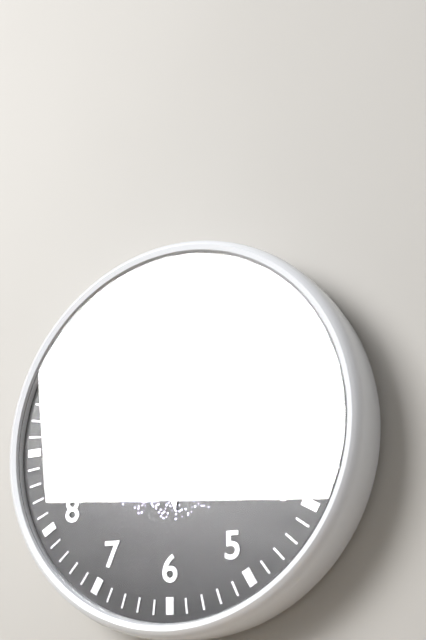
5:50:54
